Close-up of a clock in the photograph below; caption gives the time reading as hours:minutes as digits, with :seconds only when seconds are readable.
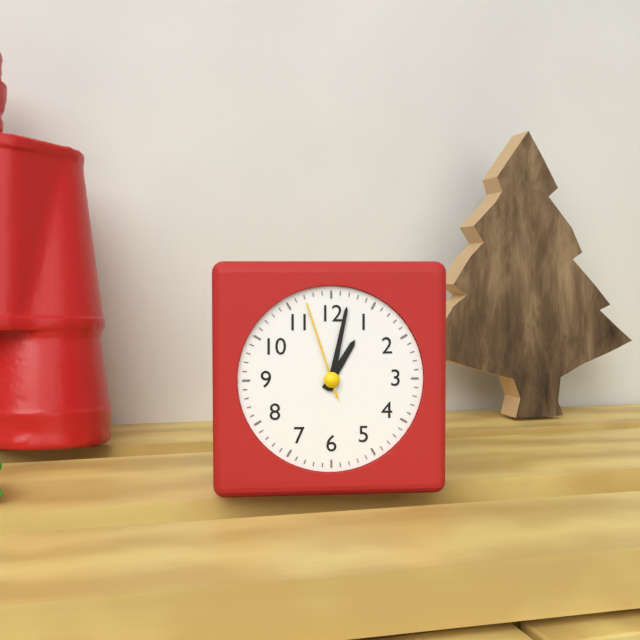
1:02:57
